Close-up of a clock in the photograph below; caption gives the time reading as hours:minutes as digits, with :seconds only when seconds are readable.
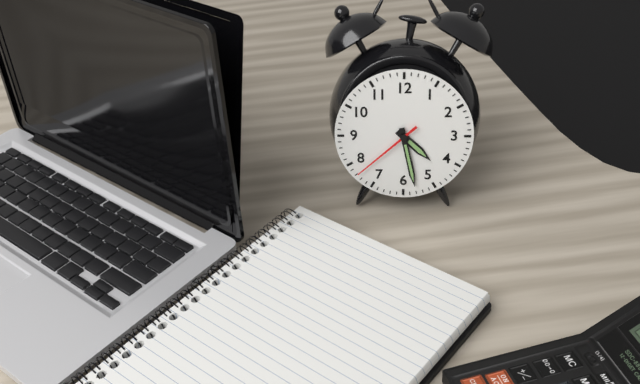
4:28:38
